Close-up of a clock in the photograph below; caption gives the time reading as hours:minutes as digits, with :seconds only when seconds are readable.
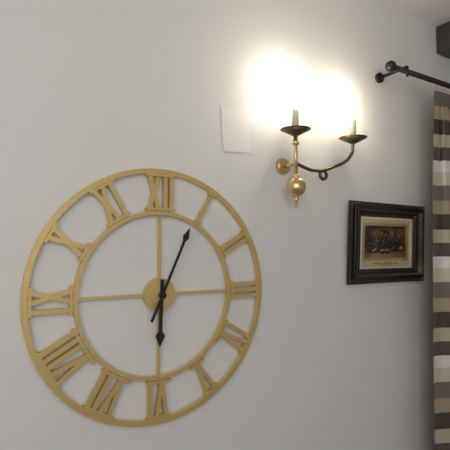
6:04
